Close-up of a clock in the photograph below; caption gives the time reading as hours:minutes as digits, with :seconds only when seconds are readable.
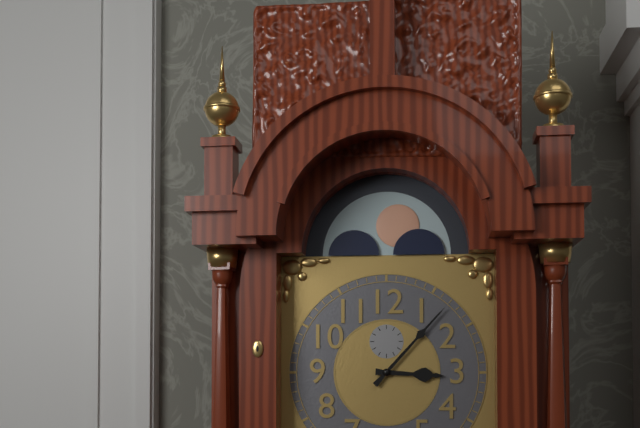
3:07
